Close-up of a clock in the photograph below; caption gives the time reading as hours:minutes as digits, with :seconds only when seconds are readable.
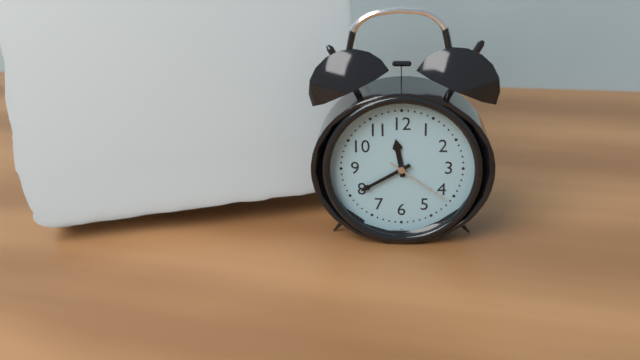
11:40:21
